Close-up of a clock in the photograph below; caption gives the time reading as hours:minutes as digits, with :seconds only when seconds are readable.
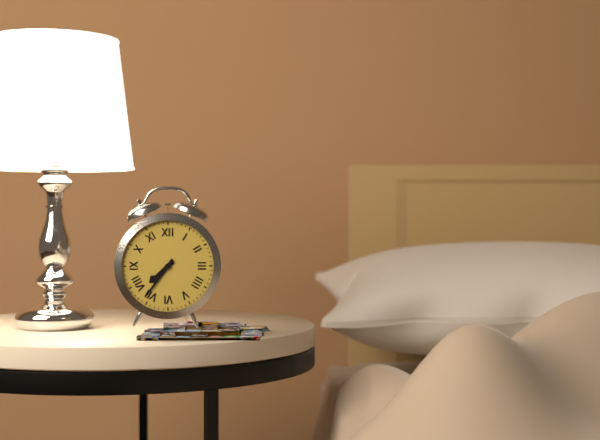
7:36
